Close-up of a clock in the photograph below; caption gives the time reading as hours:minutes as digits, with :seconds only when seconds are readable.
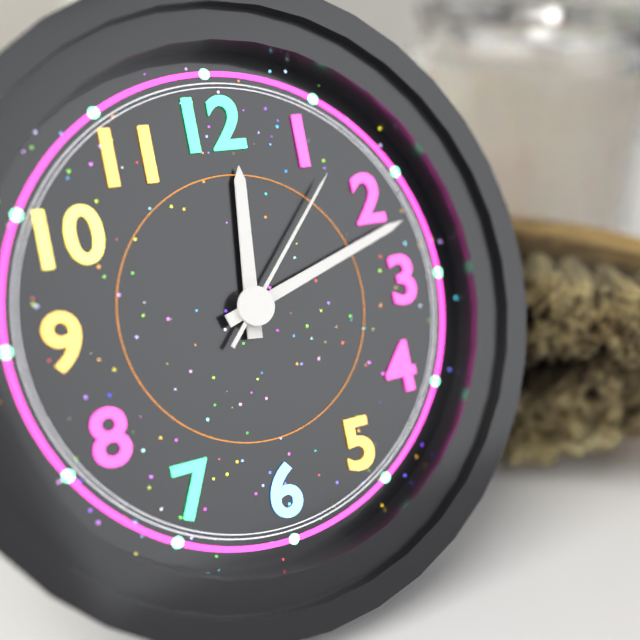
12:12:07
